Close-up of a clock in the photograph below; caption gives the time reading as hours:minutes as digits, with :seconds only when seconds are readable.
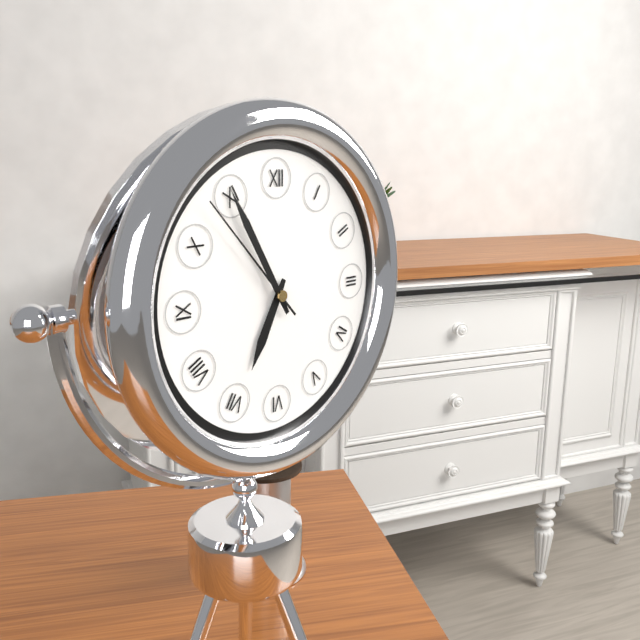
6:55:53
